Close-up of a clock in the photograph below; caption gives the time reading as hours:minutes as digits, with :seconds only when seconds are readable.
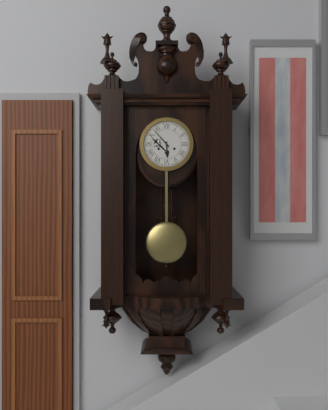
5:53
